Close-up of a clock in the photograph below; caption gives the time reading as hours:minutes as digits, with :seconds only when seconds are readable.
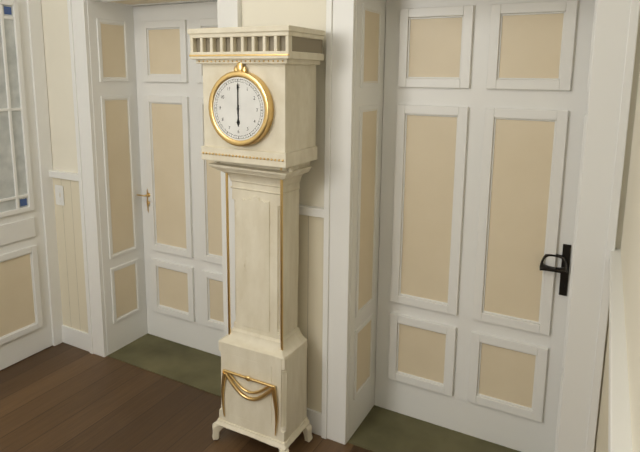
6:00
